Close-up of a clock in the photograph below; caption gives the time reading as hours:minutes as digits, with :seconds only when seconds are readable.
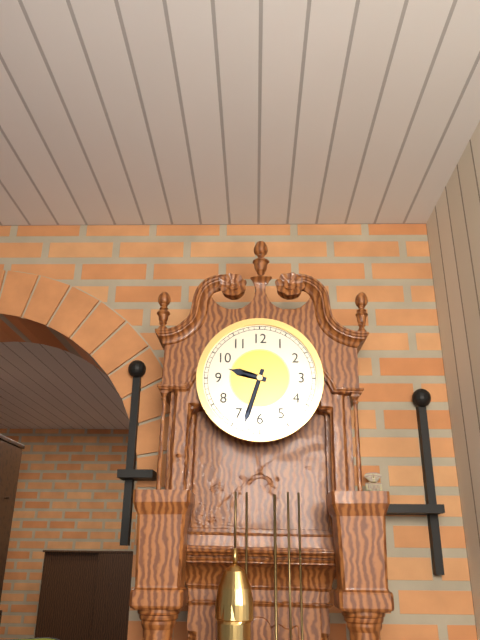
9:33
